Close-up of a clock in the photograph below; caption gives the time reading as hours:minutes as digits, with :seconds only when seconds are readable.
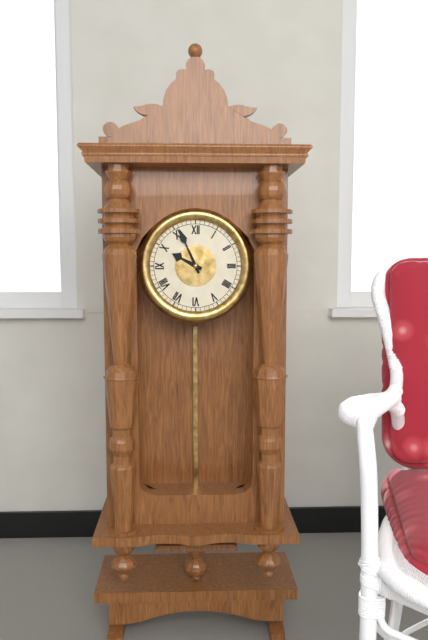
9:56
